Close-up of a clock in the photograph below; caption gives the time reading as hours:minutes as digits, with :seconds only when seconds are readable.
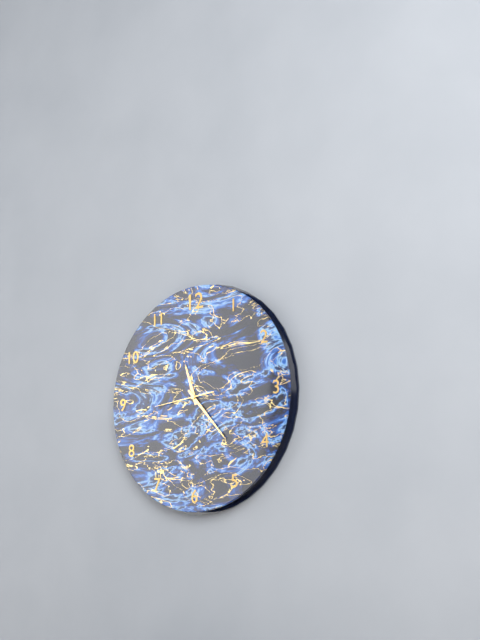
11:23:44
